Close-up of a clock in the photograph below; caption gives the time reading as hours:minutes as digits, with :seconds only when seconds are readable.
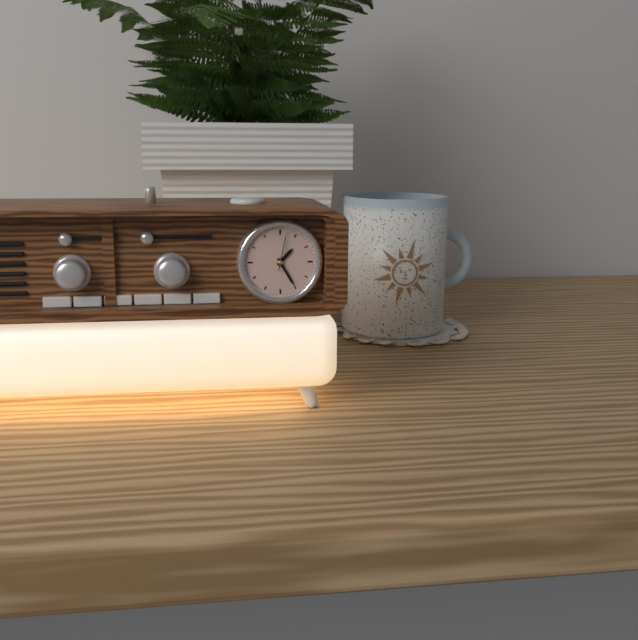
1:25
